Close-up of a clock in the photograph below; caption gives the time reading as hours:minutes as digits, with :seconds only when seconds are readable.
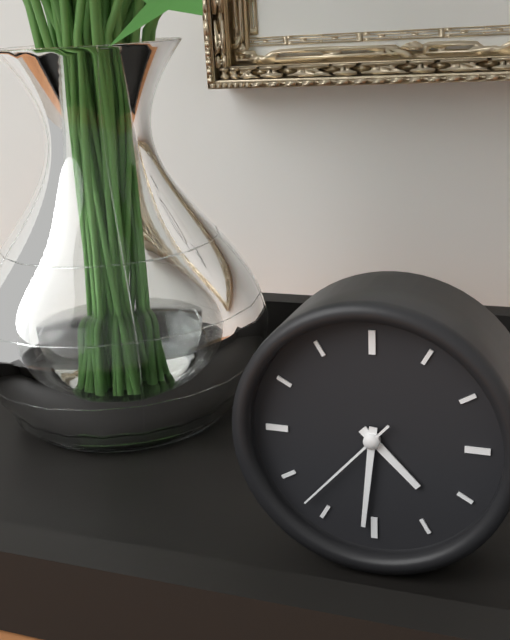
4:31:37
